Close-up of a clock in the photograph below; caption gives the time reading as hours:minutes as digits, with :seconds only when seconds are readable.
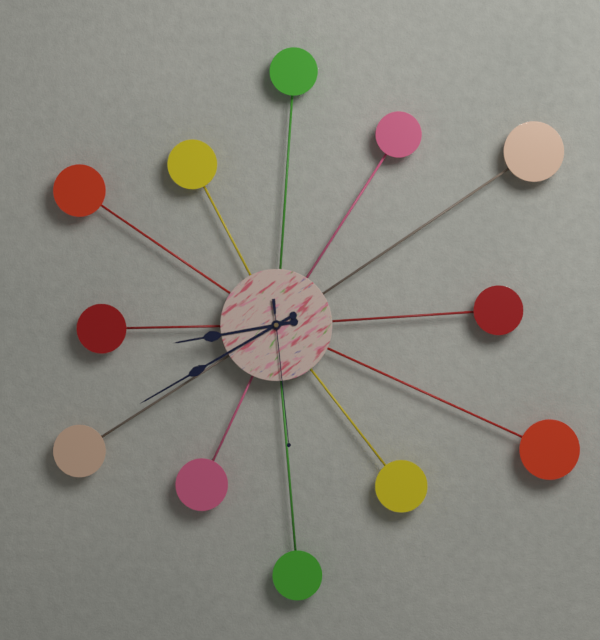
8:40:29
